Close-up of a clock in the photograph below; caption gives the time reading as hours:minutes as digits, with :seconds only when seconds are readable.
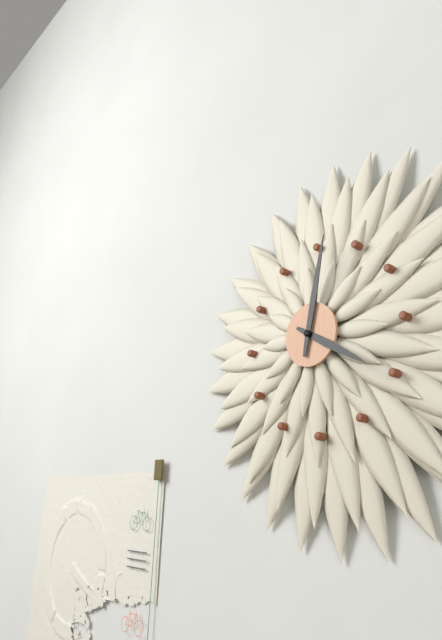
4:02
